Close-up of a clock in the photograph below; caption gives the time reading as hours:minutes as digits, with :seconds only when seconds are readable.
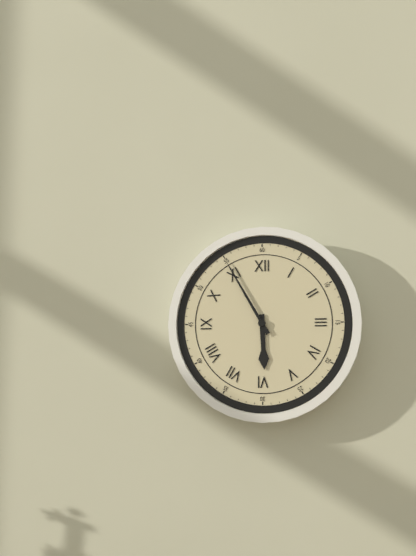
5:55
